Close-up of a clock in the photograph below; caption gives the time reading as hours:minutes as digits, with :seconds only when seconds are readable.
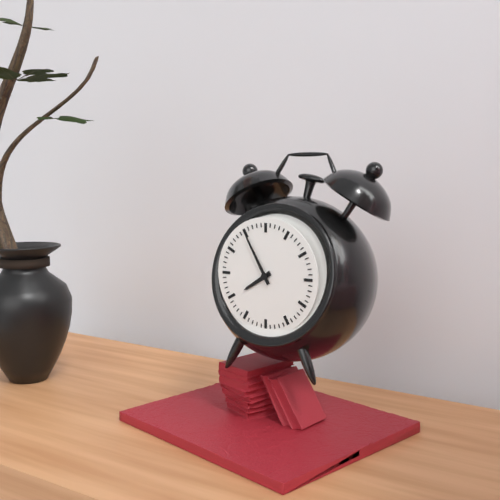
7:55
